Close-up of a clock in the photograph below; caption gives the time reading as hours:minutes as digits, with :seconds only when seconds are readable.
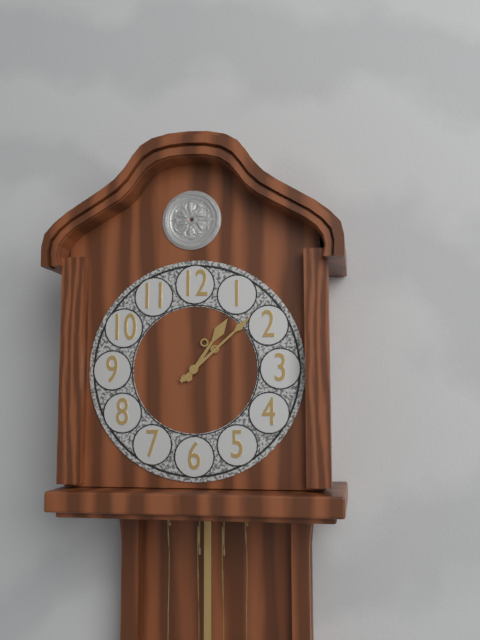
1:08
